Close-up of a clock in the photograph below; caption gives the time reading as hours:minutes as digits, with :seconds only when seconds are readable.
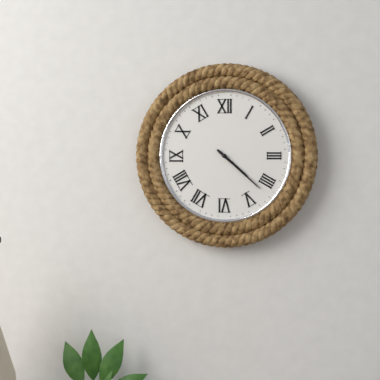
4:22
